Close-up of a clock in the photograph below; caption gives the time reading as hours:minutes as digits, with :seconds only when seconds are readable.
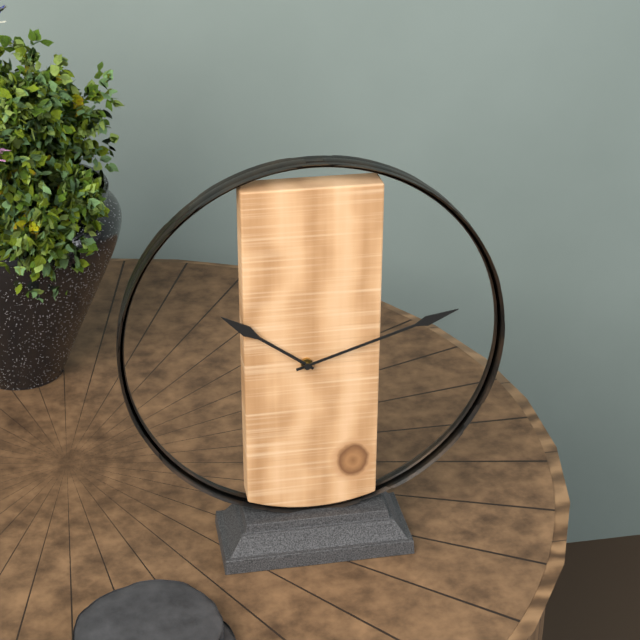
10:12
